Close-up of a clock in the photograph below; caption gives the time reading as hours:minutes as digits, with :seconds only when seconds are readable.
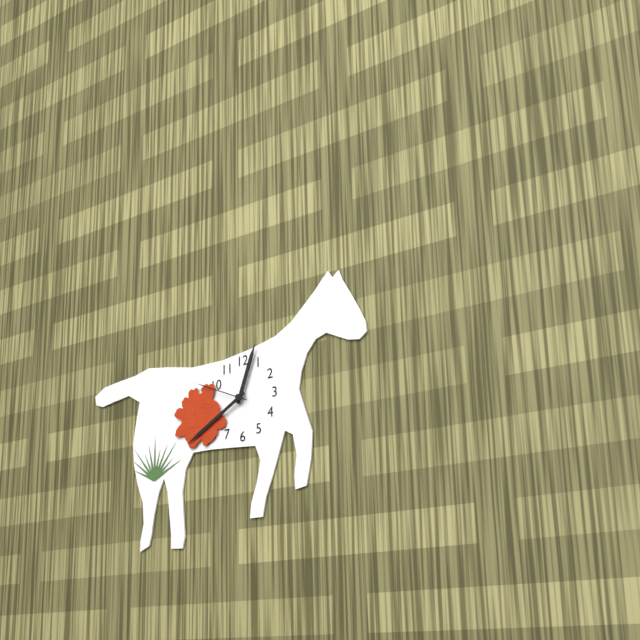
12:40:49
